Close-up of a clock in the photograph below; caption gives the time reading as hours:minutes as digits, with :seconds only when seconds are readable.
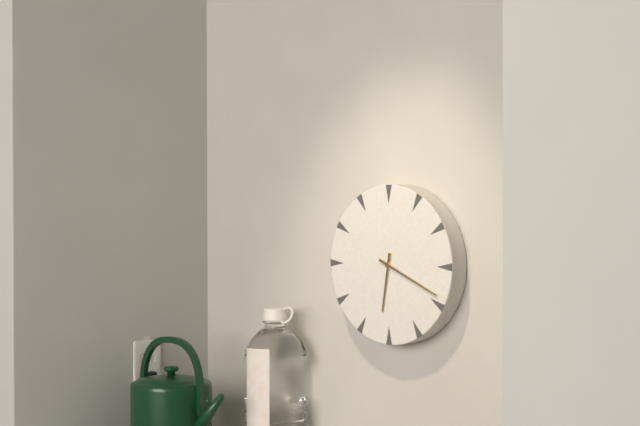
6:19
